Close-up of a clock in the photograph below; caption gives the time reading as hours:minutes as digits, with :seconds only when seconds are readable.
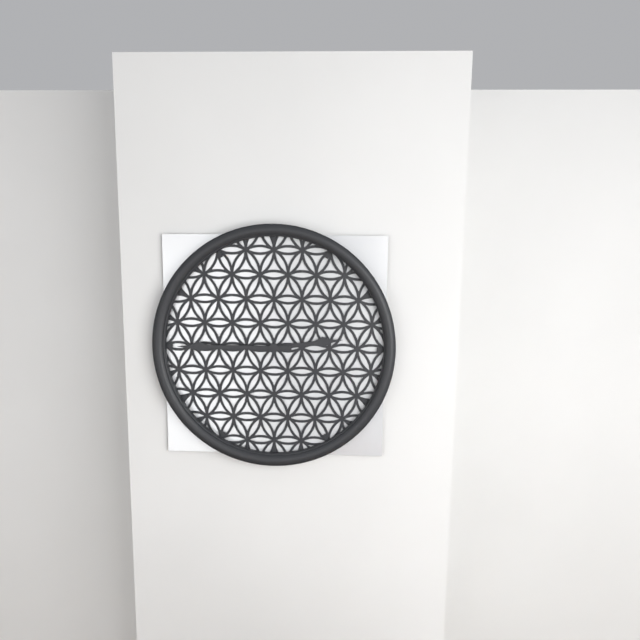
2:45
